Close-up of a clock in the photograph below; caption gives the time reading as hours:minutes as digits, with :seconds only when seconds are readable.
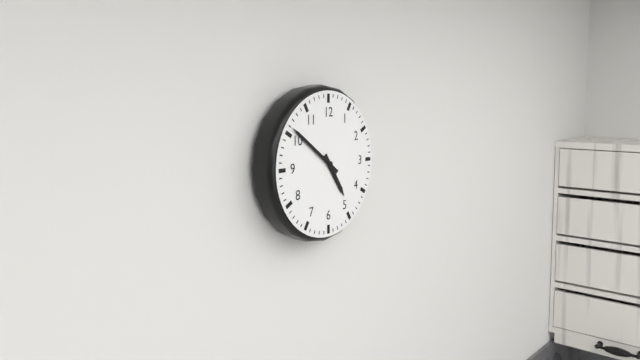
4:51
